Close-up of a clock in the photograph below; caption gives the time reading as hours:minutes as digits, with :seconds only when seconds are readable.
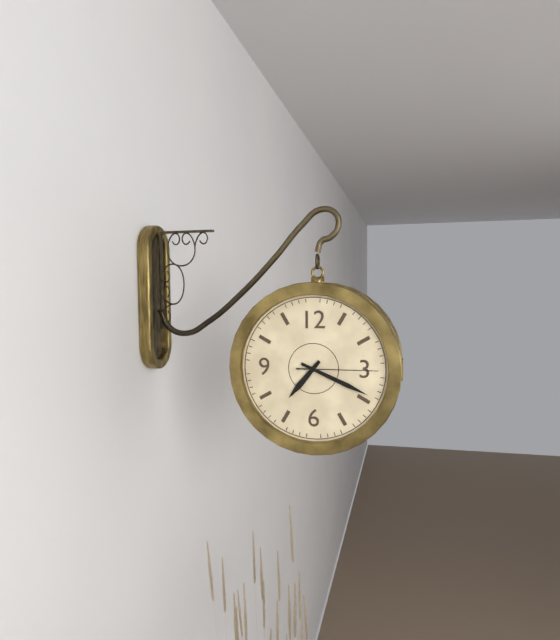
7:19:15
